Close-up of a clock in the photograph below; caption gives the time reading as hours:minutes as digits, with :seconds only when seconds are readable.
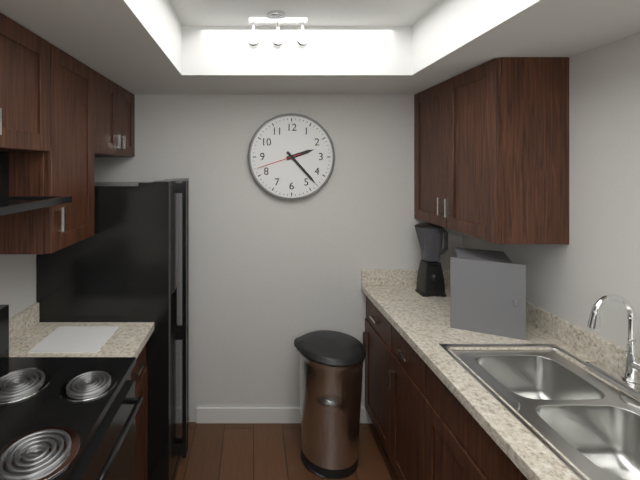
2:23
